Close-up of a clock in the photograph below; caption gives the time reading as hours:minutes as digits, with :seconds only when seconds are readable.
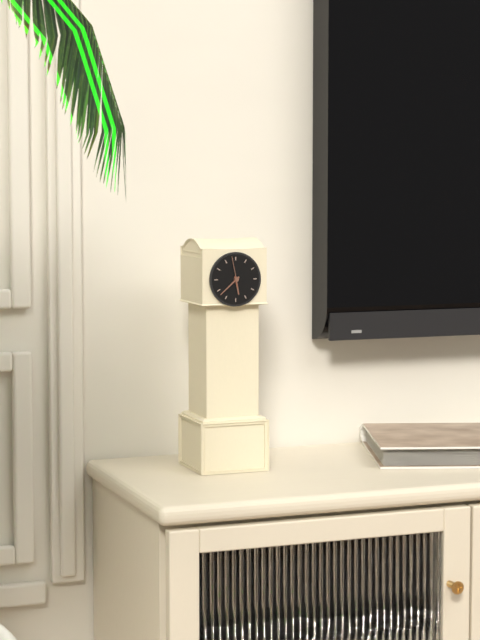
5:38
